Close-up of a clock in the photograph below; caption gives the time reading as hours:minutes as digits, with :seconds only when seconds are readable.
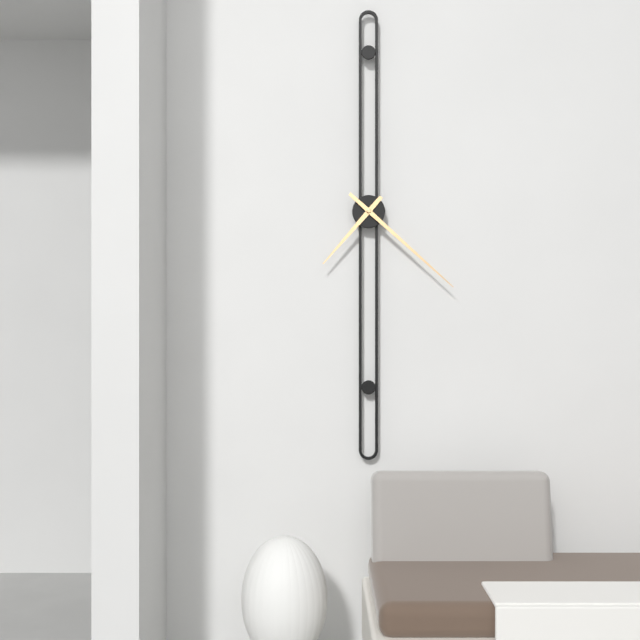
7:22
